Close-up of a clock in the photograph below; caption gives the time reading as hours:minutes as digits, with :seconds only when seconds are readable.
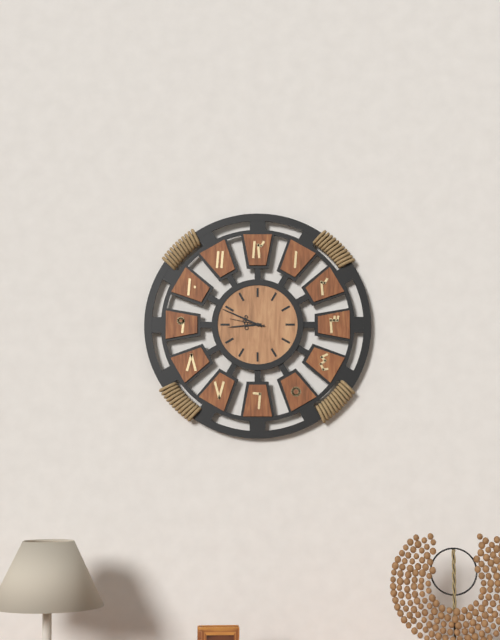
8:49
